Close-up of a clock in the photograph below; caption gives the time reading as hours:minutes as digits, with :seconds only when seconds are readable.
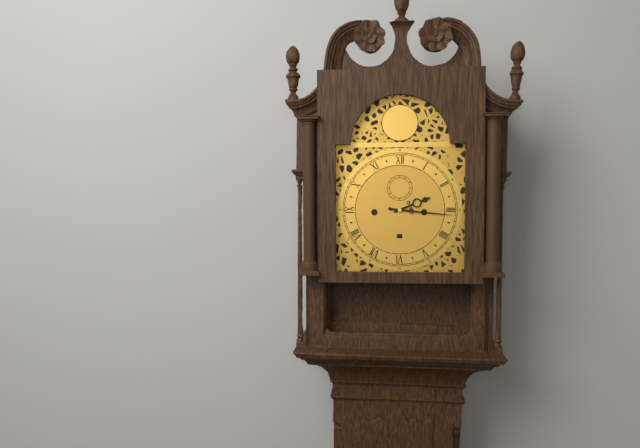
2:16
